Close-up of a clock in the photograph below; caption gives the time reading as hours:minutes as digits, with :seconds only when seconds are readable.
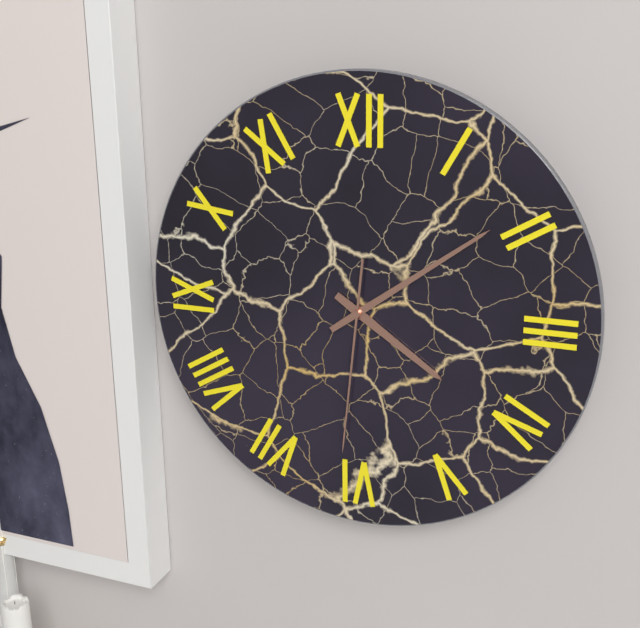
4:09:31
